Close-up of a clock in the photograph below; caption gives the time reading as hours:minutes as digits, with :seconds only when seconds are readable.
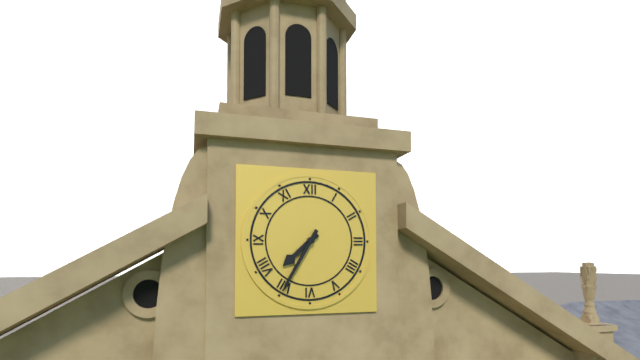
7:35
